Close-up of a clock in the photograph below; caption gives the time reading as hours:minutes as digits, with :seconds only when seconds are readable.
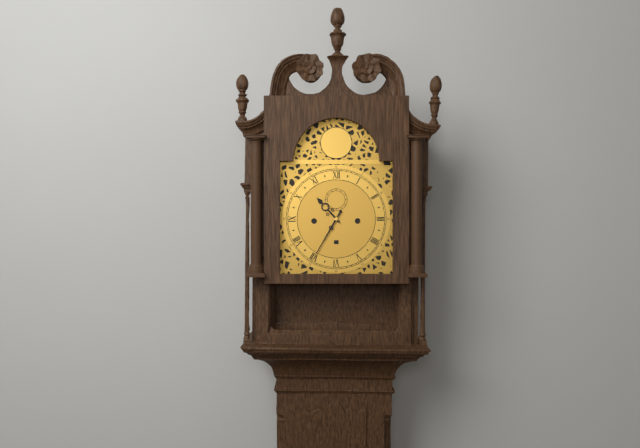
10:35
